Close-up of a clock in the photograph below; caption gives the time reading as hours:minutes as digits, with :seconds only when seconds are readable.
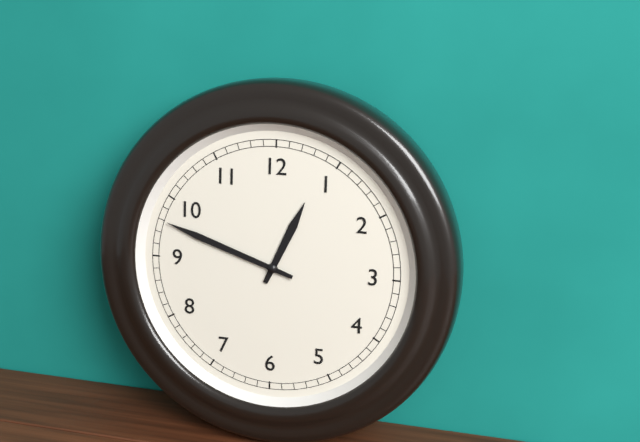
12:48
